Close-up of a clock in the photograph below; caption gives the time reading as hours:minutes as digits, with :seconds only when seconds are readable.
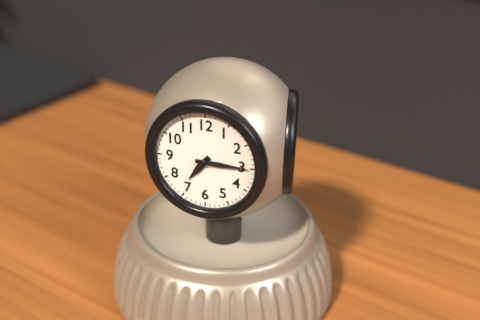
7:15
